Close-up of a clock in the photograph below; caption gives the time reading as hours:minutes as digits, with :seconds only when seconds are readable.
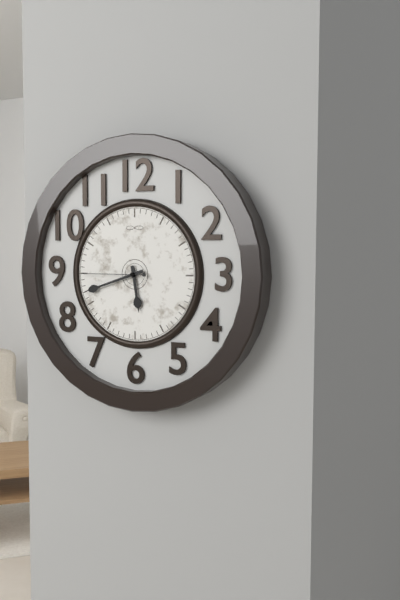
5:42:45
